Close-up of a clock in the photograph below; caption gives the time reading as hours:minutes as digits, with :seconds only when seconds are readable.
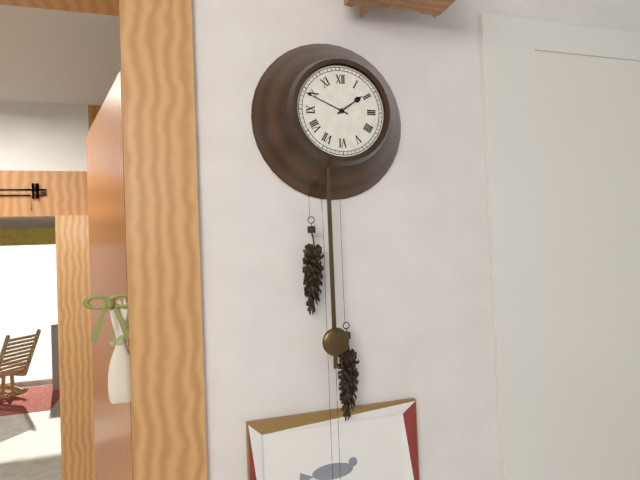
1:49
